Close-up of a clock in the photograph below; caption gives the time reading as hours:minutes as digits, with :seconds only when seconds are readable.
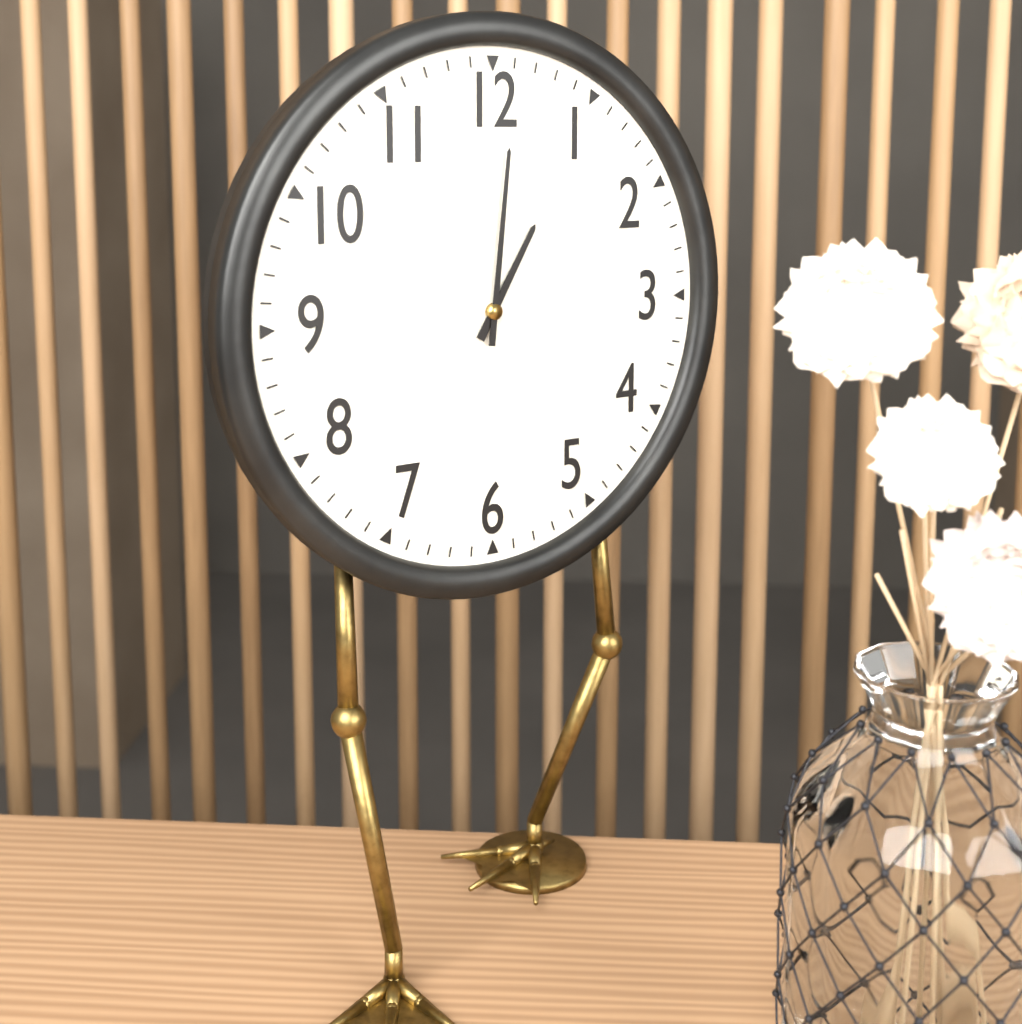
1:01
